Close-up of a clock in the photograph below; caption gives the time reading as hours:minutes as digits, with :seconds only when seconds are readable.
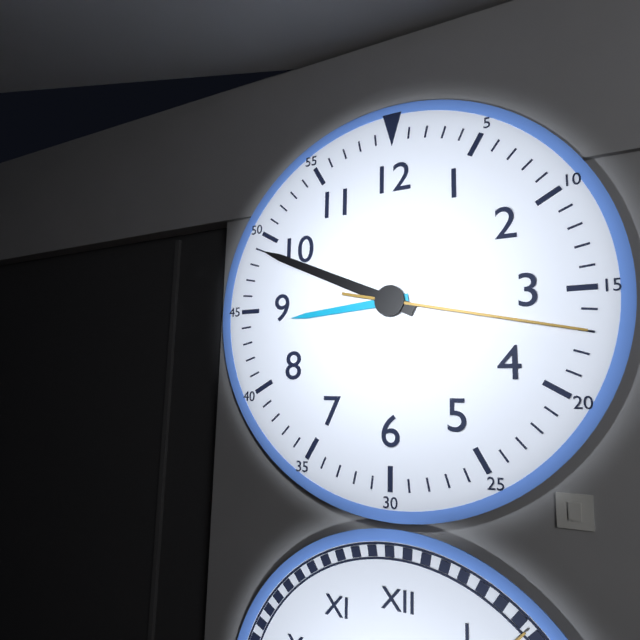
8:49:17
